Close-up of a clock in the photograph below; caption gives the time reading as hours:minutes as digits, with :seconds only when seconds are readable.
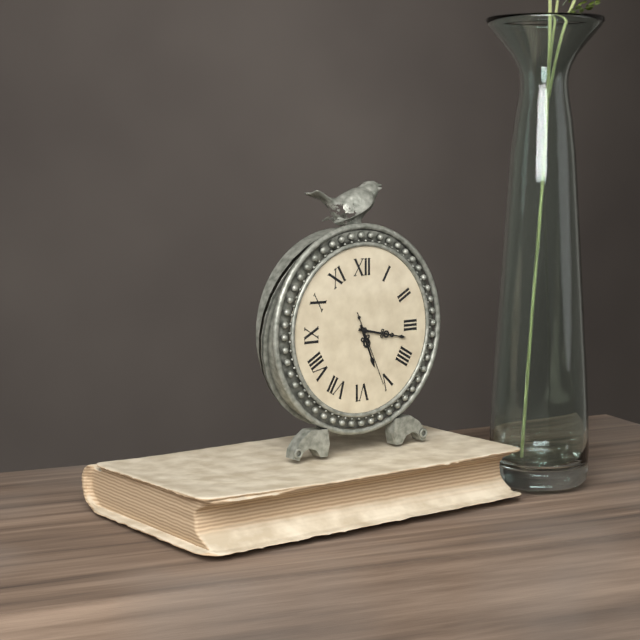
5:17:26
